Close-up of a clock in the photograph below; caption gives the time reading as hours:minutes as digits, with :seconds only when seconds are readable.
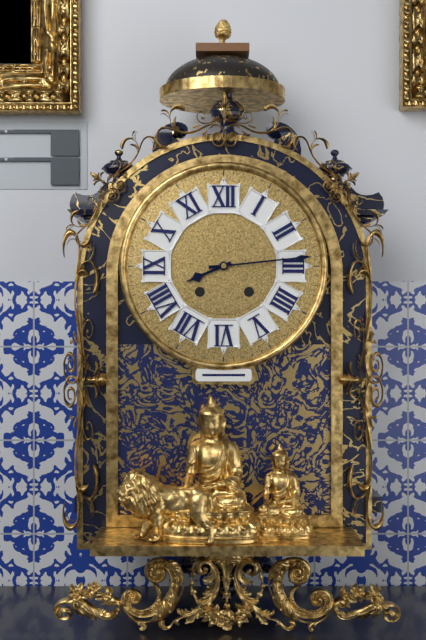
8:14
